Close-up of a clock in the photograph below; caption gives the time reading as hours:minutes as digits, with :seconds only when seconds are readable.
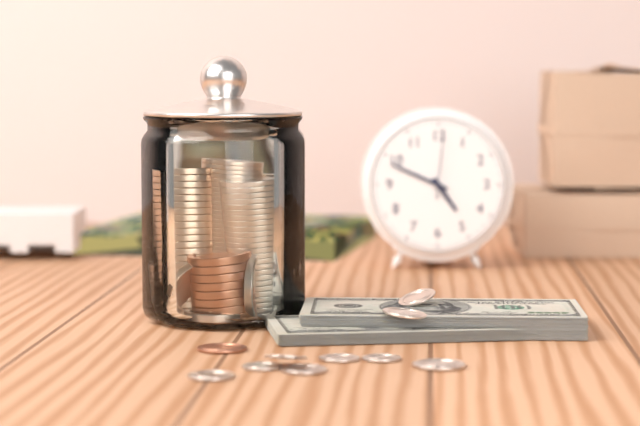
4:49:01
